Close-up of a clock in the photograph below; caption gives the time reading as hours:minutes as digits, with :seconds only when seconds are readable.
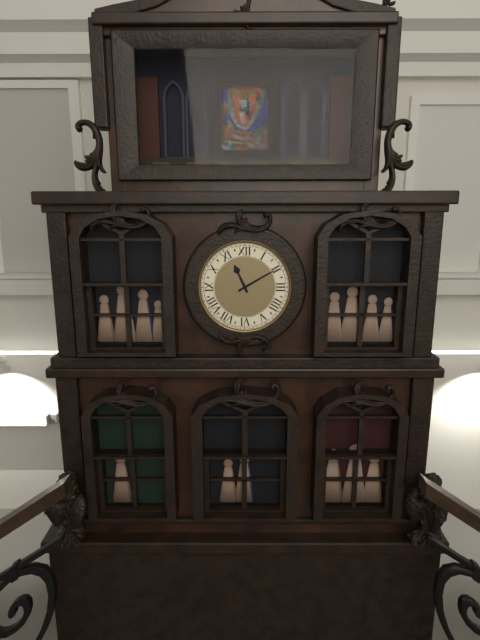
11:10
